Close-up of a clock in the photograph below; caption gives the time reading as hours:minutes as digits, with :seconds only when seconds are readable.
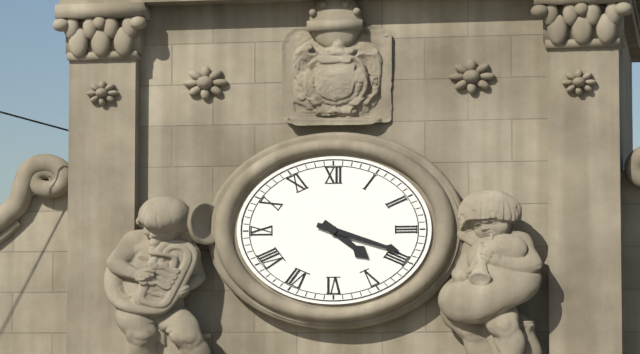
4:18
